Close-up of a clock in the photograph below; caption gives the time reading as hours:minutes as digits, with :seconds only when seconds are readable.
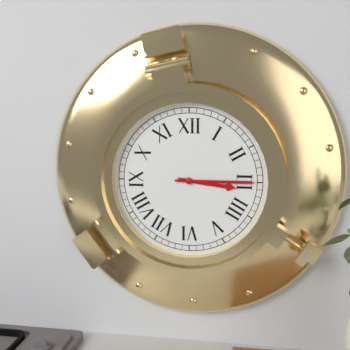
3:15
